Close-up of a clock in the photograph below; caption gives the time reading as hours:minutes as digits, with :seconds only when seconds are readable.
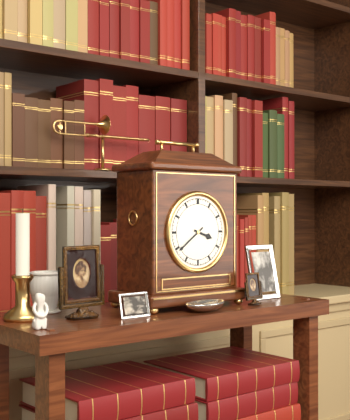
3:39
